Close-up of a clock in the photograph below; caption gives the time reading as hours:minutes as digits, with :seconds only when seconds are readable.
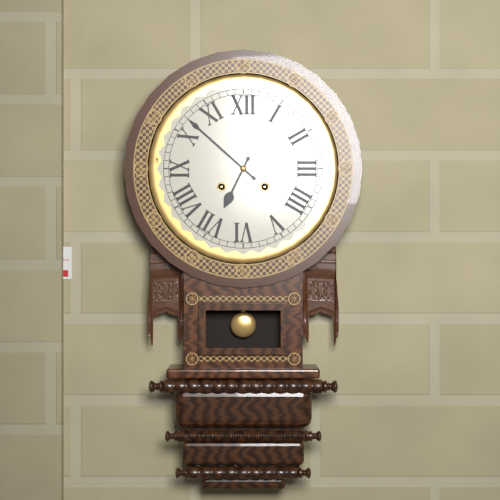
6:52
